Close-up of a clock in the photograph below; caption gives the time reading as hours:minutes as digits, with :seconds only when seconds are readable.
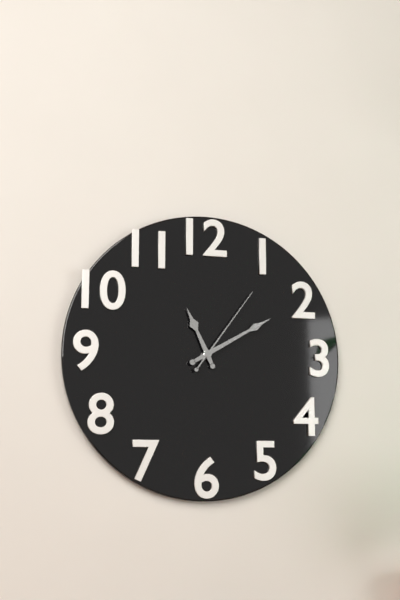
11:10:06
